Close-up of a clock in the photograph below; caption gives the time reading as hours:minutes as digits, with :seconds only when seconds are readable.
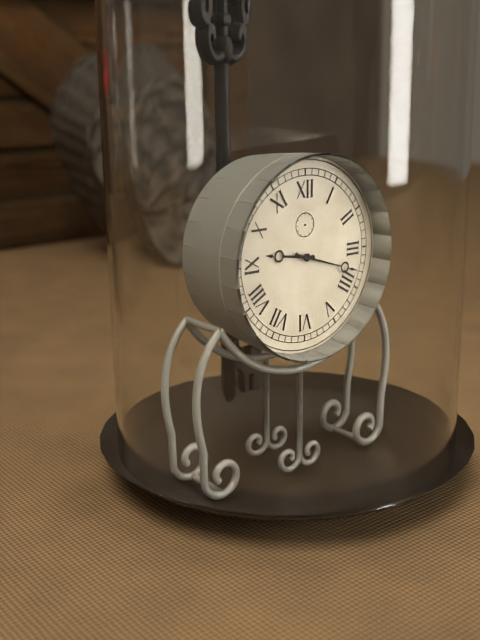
9:18
